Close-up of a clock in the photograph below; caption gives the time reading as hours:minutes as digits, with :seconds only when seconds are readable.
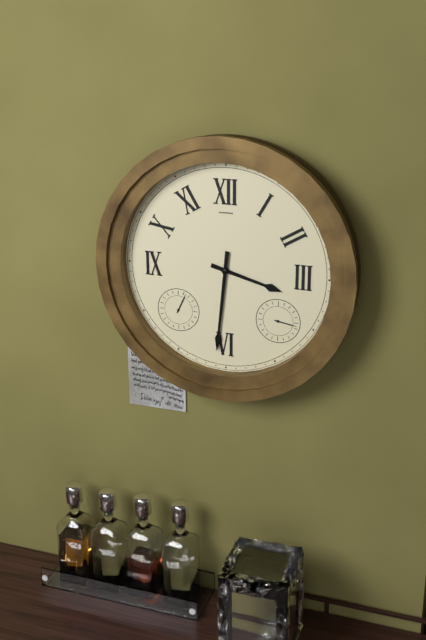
3:31
